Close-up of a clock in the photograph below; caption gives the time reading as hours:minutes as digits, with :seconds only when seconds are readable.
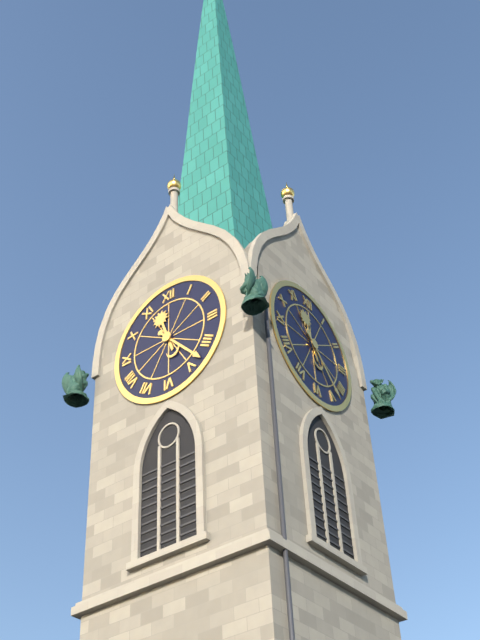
11:23
